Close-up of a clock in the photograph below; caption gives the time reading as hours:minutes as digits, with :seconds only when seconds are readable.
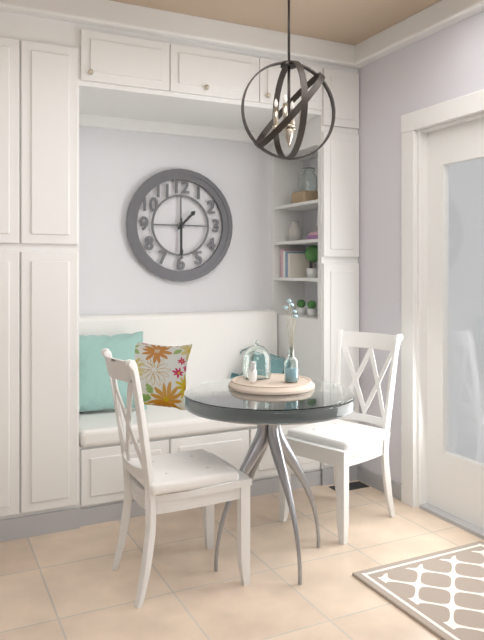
1:30
